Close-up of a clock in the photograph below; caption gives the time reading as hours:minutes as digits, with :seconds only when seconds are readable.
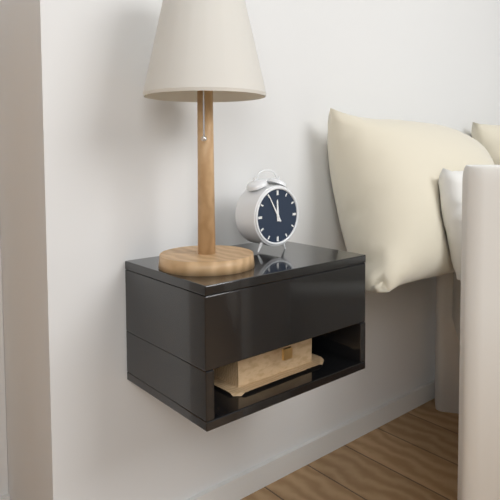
11:55
